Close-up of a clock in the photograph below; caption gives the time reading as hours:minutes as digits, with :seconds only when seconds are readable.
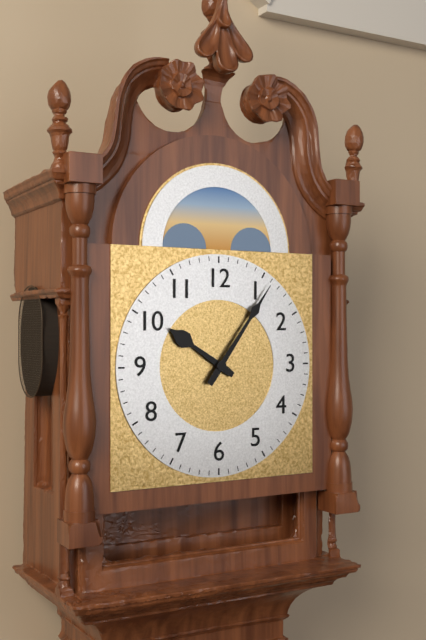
10:06
